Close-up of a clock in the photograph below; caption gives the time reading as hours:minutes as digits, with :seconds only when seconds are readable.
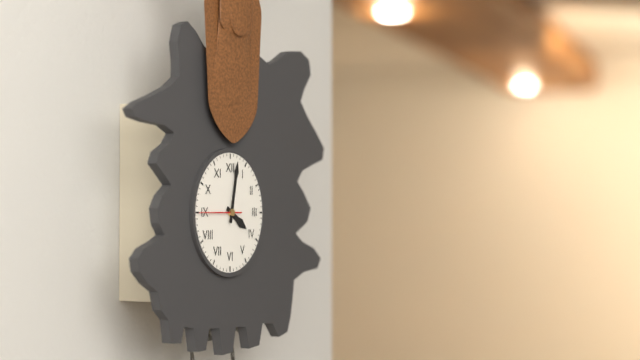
4:02
